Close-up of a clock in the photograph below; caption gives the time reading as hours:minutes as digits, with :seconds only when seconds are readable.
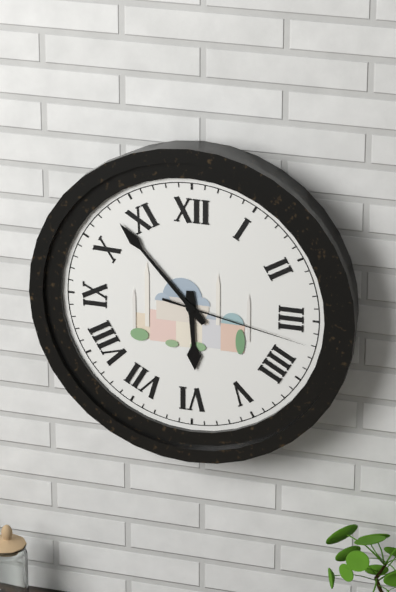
5:53:17
